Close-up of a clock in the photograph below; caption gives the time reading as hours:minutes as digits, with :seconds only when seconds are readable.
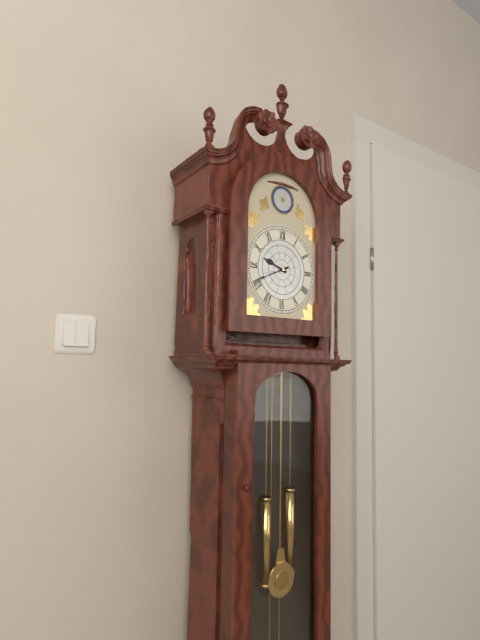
9:41
